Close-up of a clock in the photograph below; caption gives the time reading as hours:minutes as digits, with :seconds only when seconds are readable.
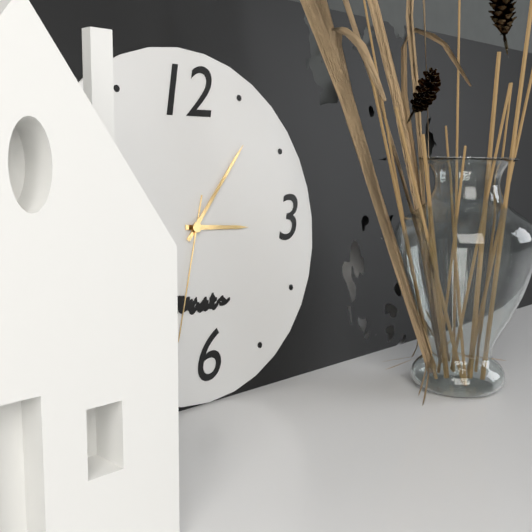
3:07:33
